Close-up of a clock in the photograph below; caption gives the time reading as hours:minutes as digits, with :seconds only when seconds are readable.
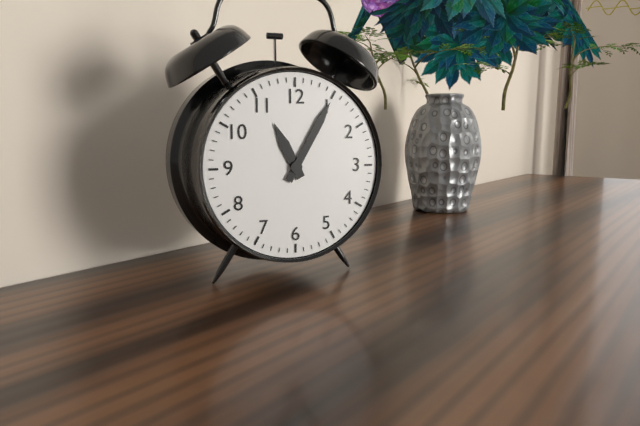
11:05
